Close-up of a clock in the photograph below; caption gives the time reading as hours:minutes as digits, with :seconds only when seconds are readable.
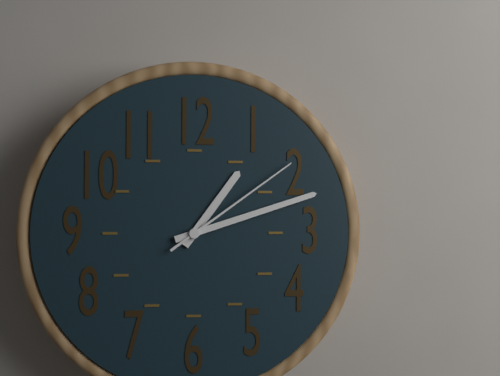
1:12:09
